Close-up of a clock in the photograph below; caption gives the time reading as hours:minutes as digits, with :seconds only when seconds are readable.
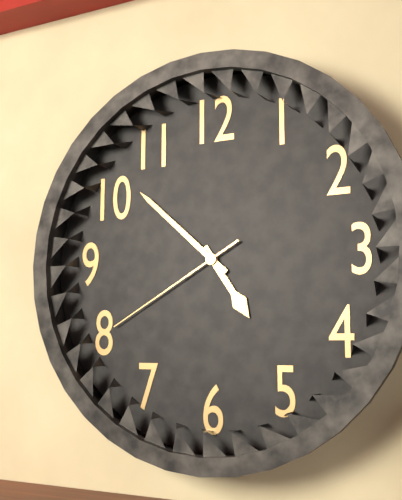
4:52:40
